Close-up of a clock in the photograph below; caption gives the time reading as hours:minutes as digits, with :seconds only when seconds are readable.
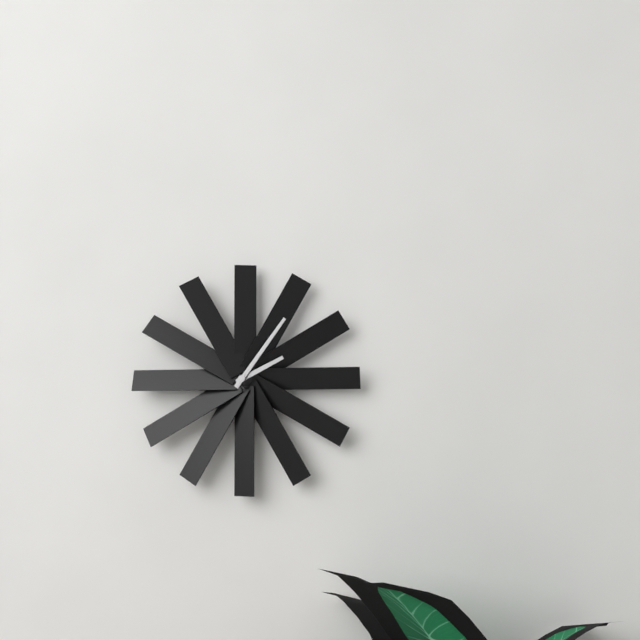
2:06
